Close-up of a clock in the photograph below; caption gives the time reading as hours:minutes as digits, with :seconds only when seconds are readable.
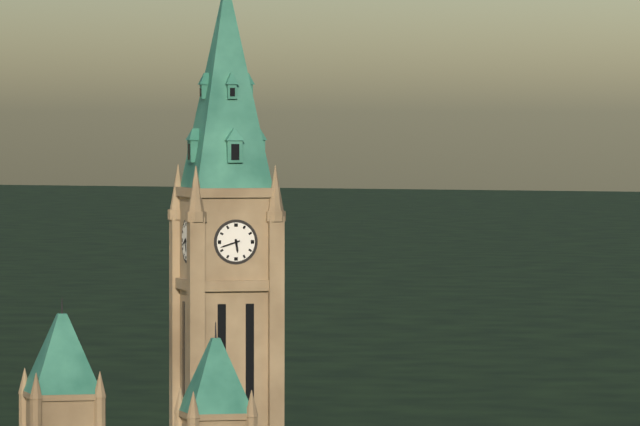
5:42
